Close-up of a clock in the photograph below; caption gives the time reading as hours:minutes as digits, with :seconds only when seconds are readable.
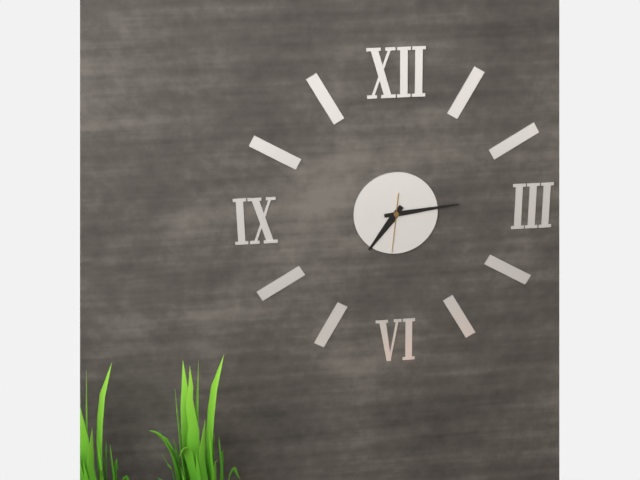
7:14:31
